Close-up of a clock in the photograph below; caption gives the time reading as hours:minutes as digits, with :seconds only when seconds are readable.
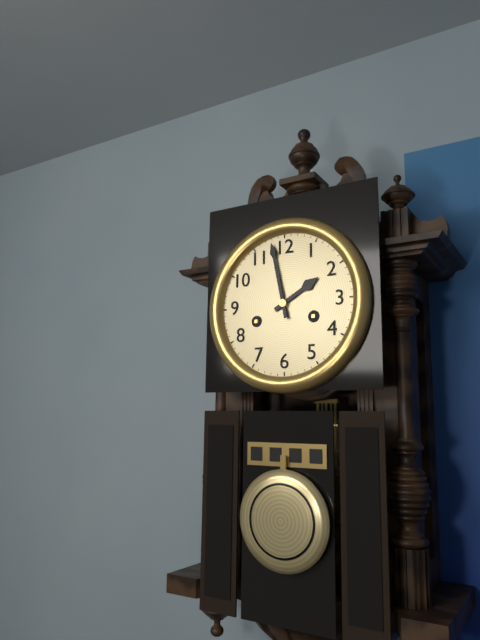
1:58
